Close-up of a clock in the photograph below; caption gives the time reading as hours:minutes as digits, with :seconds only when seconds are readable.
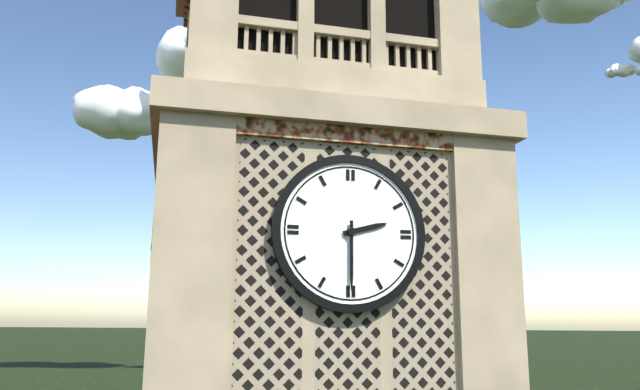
2:30
